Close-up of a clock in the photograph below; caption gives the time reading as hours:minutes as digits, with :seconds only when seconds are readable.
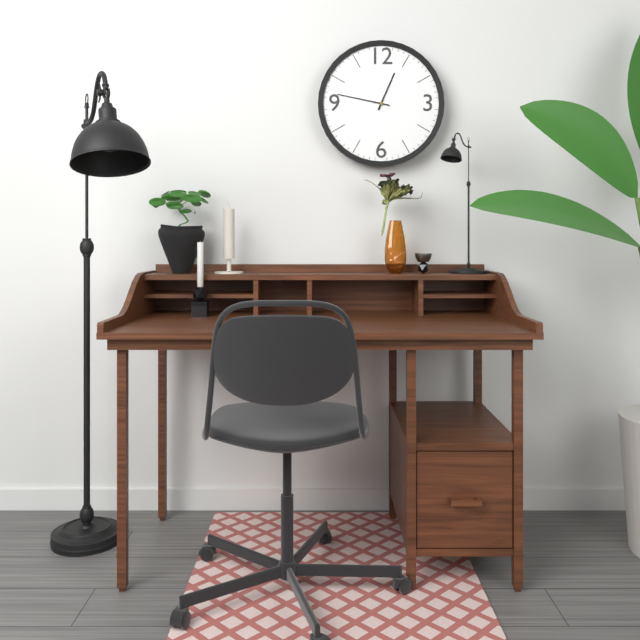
12:47
